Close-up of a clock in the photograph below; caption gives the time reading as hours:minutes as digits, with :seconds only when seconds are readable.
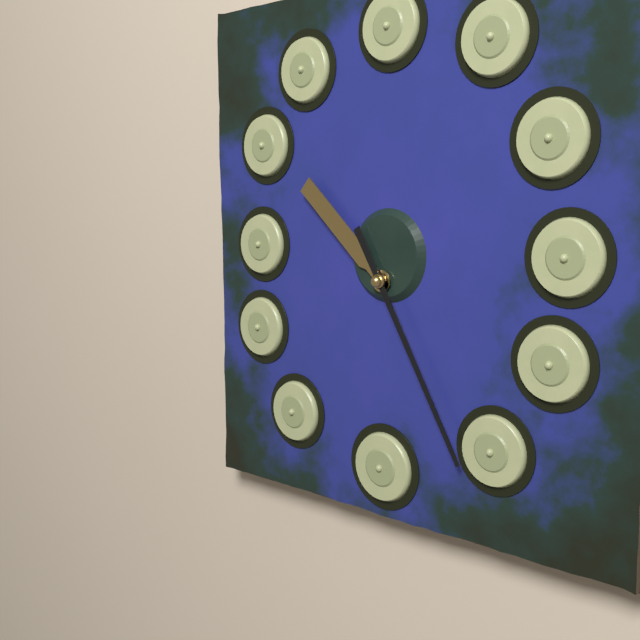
10:25
